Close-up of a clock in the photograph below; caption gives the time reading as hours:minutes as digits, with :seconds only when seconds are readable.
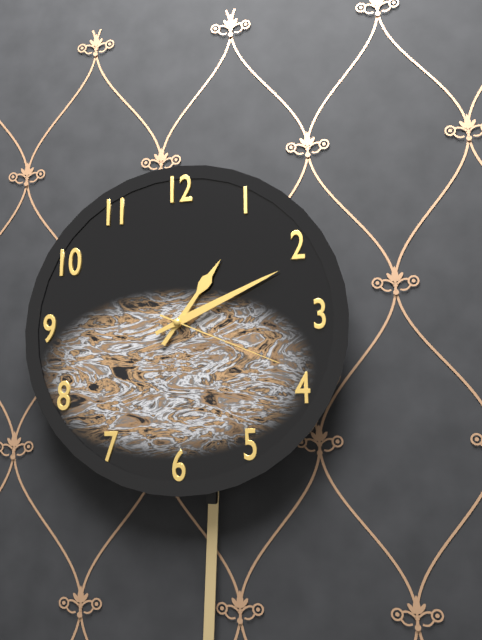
1:11:19
